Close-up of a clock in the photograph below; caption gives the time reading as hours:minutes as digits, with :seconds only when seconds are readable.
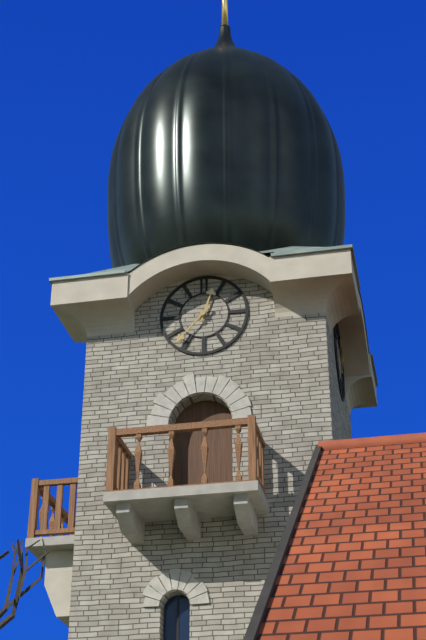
12:37
